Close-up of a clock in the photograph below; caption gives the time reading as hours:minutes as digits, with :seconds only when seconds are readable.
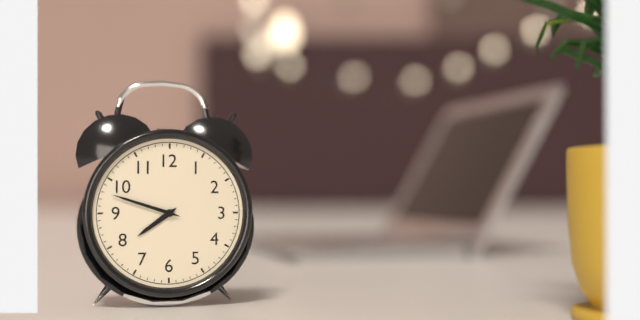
7:48
